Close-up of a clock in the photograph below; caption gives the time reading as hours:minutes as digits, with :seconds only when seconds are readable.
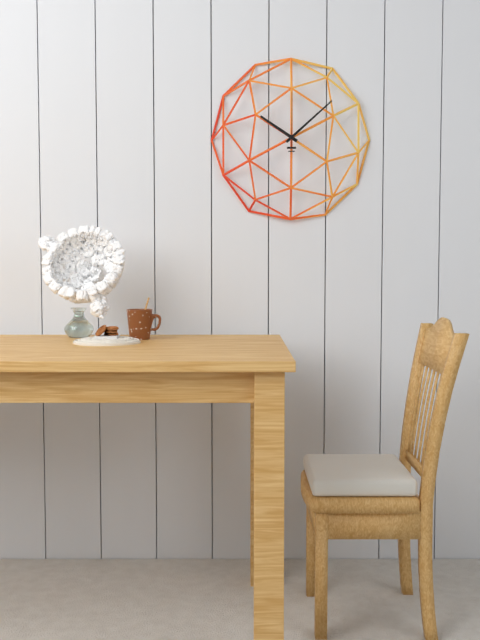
10:08:00
